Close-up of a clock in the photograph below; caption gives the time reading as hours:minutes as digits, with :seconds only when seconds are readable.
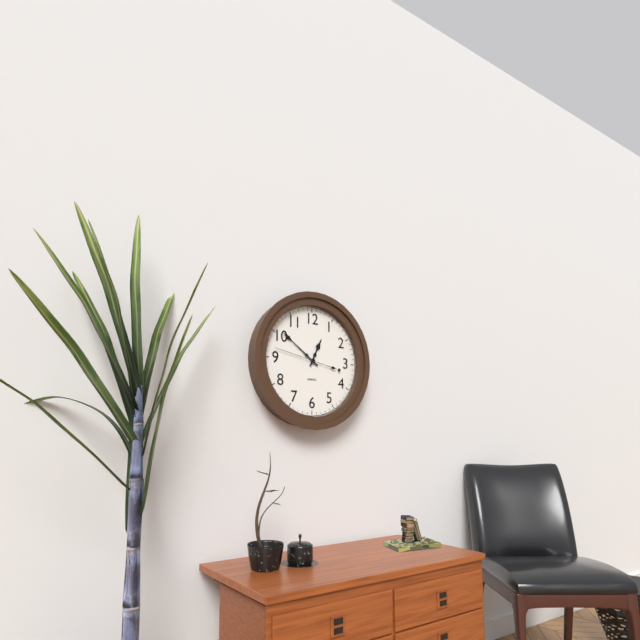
12:51:47
